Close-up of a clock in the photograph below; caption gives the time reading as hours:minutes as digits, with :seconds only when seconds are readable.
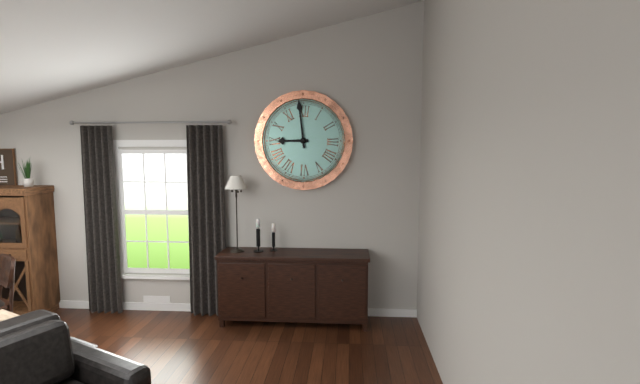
8:59
